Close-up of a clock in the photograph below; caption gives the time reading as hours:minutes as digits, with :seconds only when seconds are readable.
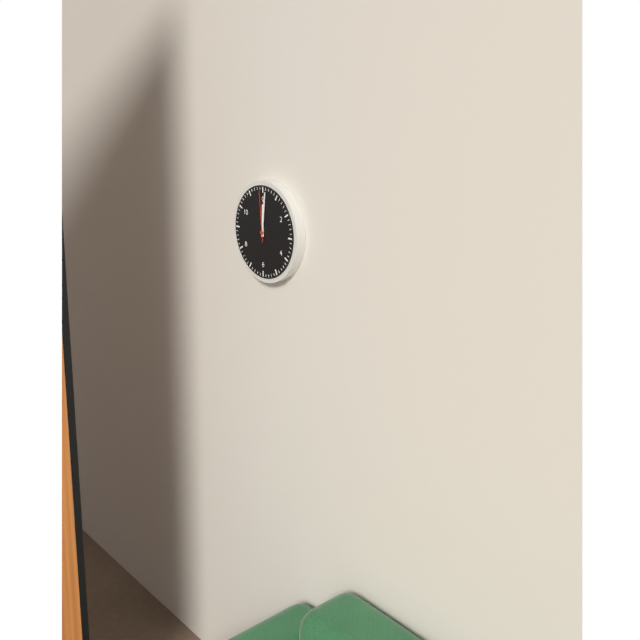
12:01:59
